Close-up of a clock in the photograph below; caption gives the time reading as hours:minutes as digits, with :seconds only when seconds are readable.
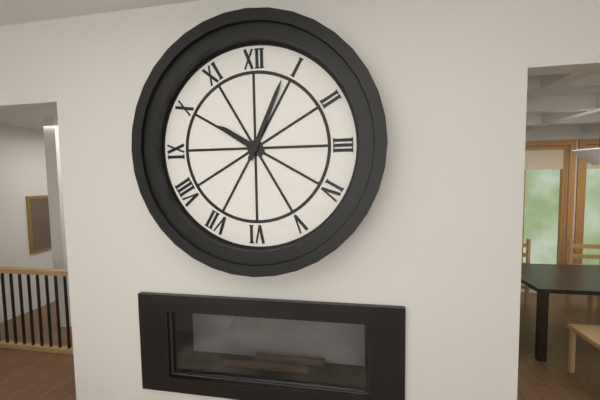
10:04
